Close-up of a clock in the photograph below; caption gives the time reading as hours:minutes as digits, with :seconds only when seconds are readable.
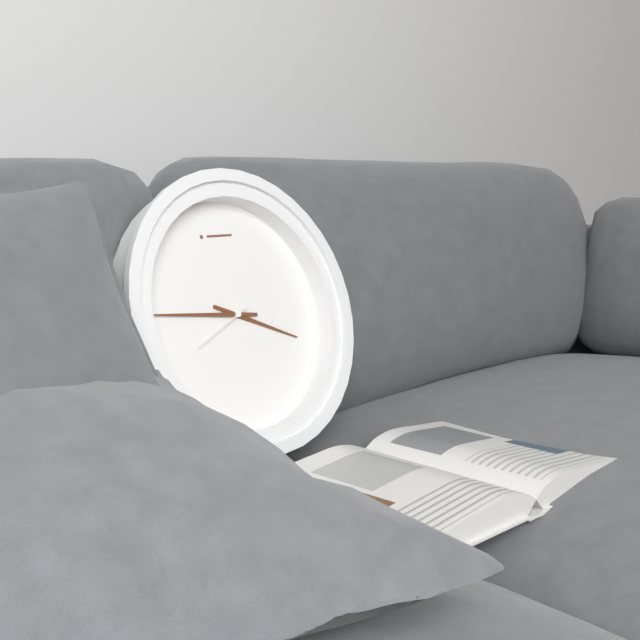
3:46:41
